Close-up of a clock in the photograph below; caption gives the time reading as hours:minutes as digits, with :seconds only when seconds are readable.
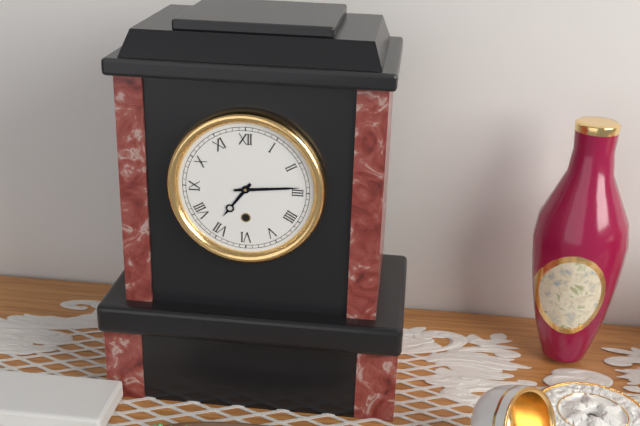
7:14
